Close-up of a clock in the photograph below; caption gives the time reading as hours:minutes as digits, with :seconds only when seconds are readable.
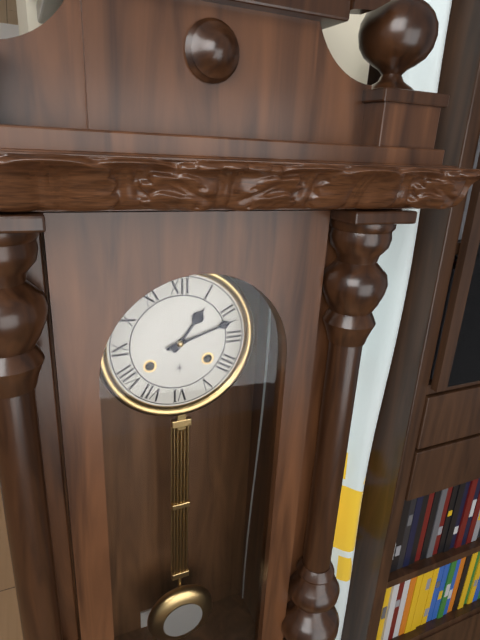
1:12
